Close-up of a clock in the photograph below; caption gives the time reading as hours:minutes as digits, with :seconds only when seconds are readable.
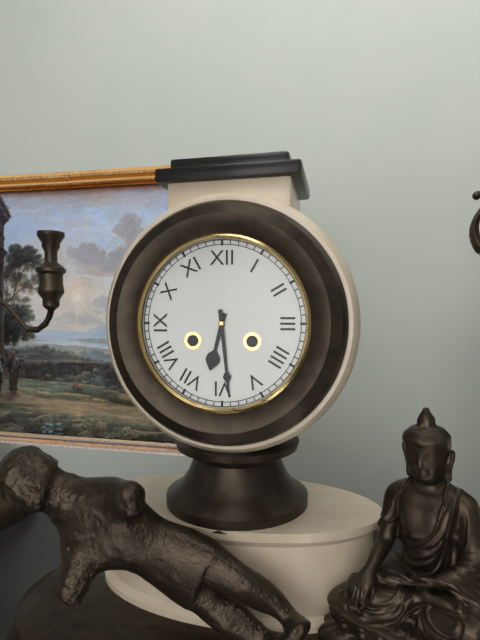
6:29
